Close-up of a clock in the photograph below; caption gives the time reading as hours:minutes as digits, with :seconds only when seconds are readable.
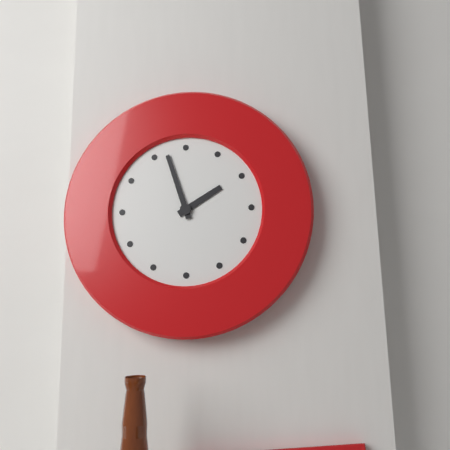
1:57
